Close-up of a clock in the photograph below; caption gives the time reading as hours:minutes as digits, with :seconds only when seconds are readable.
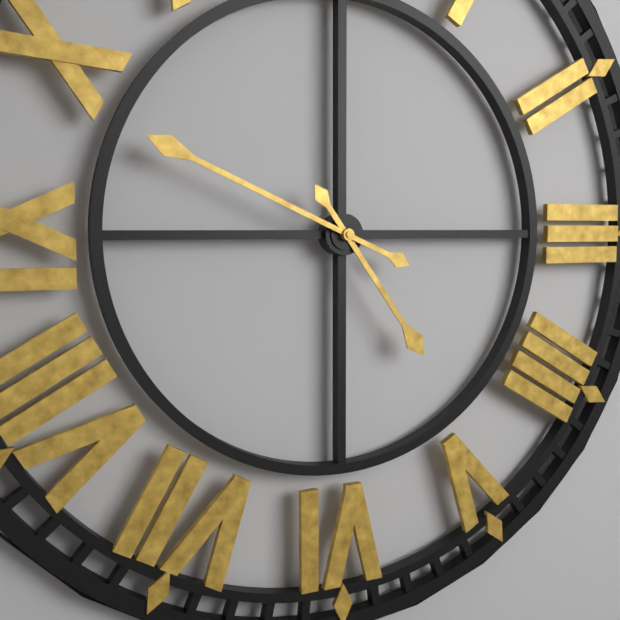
4:49
